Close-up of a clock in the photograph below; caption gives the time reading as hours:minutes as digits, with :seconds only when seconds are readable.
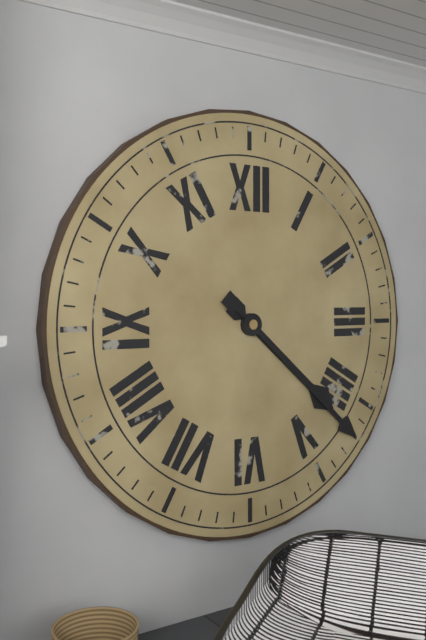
4:22
